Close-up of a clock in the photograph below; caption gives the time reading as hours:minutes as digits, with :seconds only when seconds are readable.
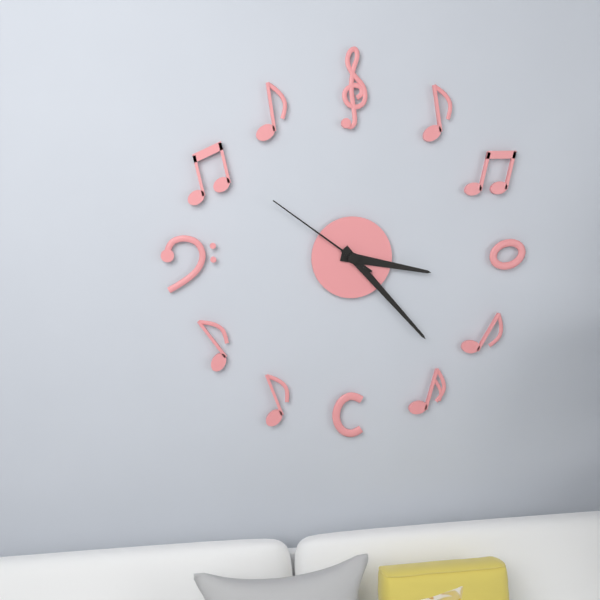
3:23:51
